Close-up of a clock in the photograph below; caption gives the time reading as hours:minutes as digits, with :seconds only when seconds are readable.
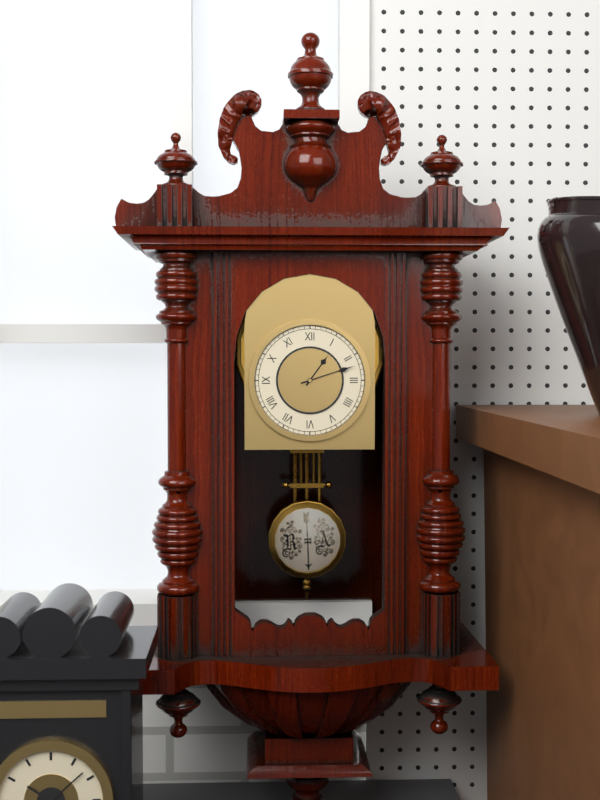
1:12
